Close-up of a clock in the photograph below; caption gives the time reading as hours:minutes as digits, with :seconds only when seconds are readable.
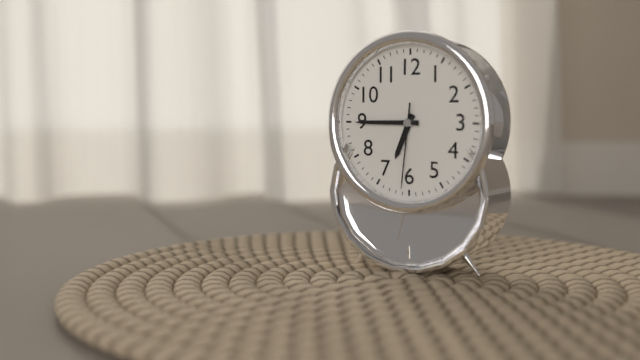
6:45:31
